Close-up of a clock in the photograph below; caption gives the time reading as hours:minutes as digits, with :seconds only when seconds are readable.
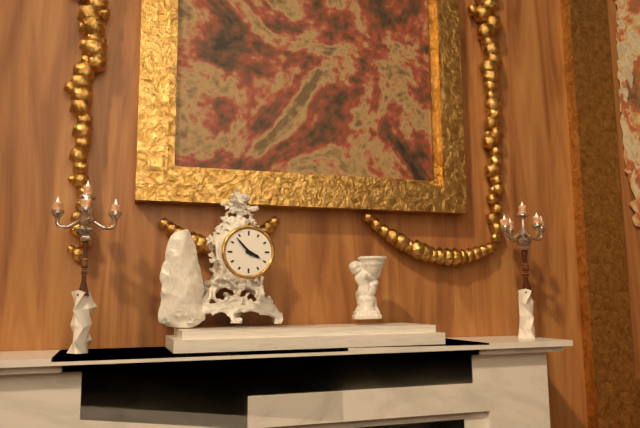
3:53
